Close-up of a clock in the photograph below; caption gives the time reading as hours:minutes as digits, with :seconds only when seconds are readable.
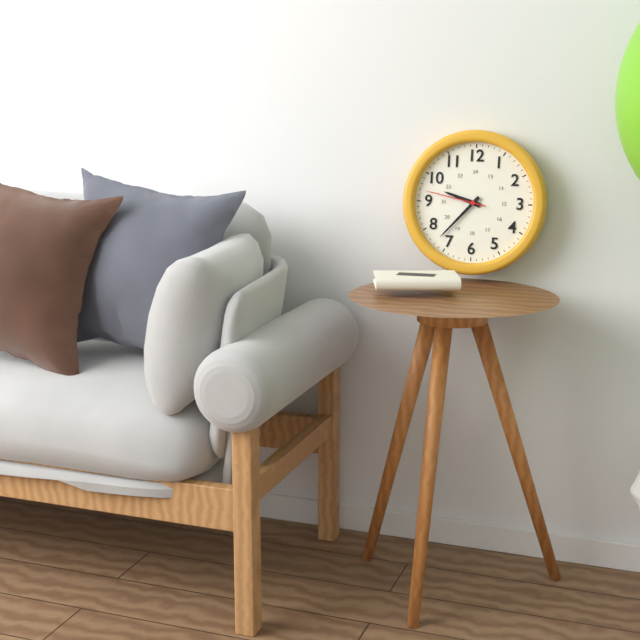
9:37:47
